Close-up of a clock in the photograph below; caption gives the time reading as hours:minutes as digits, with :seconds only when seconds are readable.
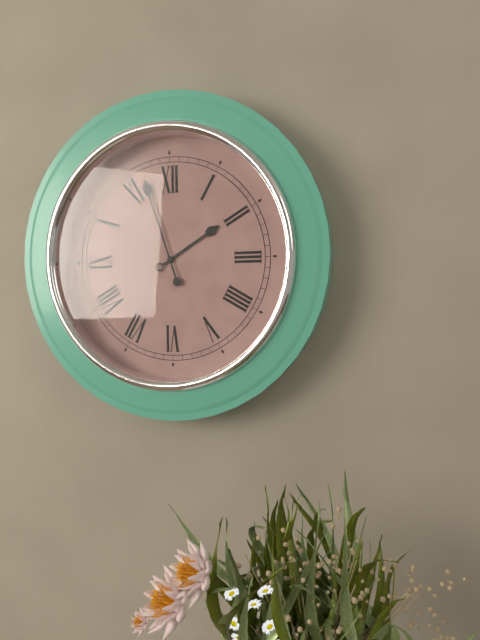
1:57
